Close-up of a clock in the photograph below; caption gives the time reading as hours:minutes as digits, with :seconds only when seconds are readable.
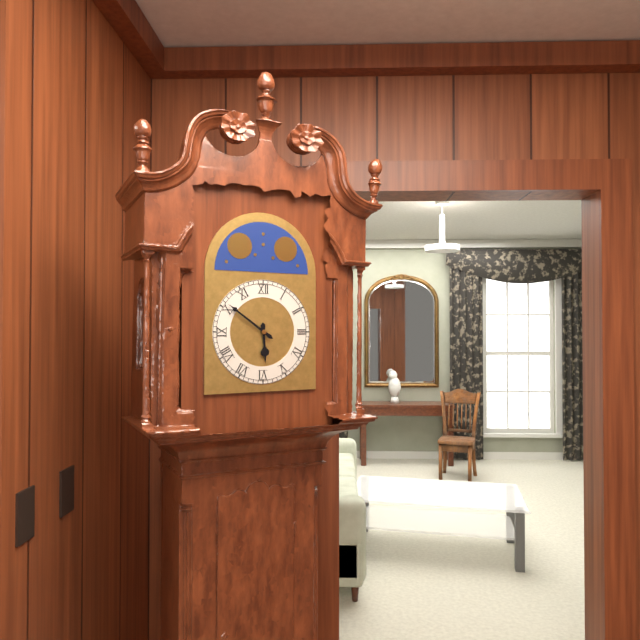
5:51
